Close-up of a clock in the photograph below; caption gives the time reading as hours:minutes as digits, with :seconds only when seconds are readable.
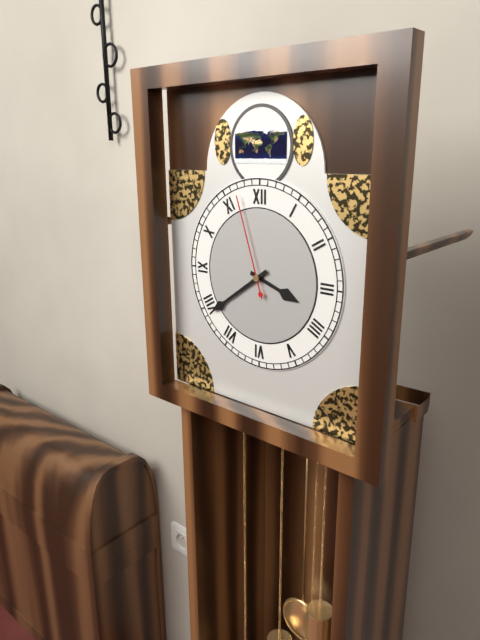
3:39:57
